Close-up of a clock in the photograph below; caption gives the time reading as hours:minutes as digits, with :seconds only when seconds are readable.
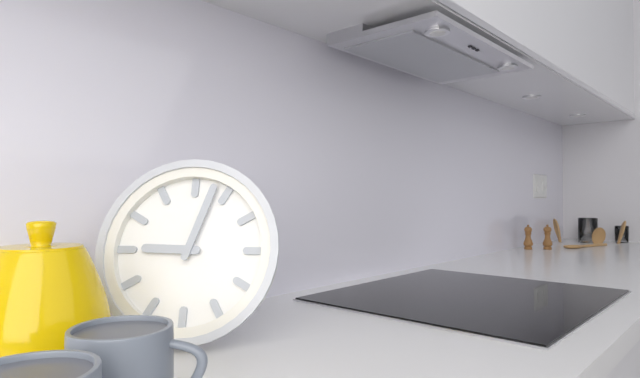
9:03
